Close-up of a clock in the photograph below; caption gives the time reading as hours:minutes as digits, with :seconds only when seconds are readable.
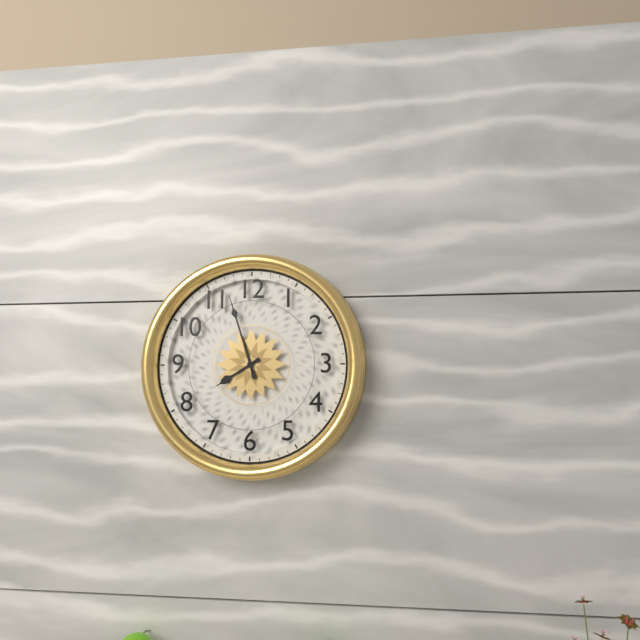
7:57
